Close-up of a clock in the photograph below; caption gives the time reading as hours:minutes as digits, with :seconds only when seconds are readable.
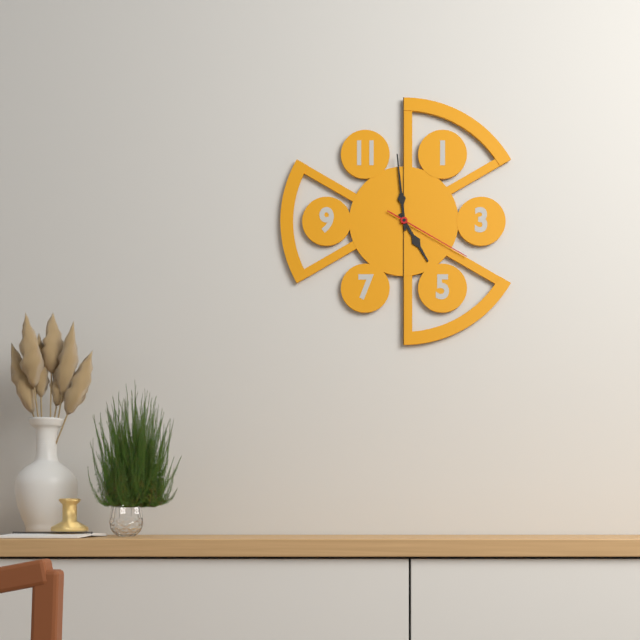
4:59:20
